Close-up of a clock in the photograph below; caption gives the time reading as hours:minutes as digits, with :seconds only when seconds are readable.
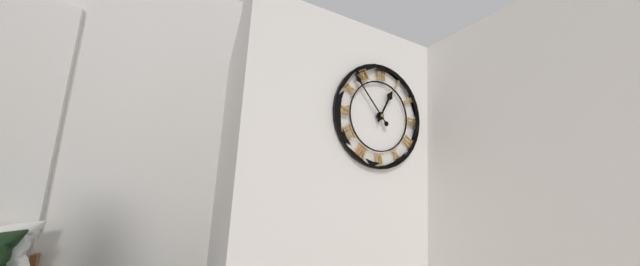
12:53
